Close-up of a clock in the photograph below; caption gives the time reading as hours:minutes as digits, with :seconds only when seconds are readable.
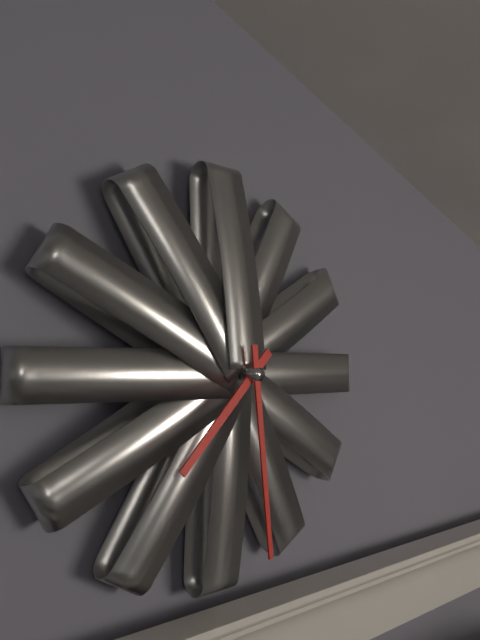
7:29
